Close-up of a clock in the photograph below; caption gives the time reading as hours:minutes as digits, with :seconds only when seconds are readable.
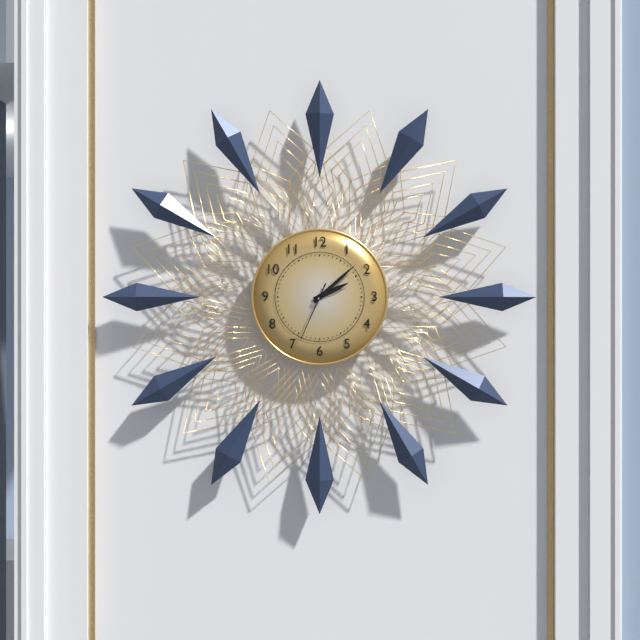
2:08:34
